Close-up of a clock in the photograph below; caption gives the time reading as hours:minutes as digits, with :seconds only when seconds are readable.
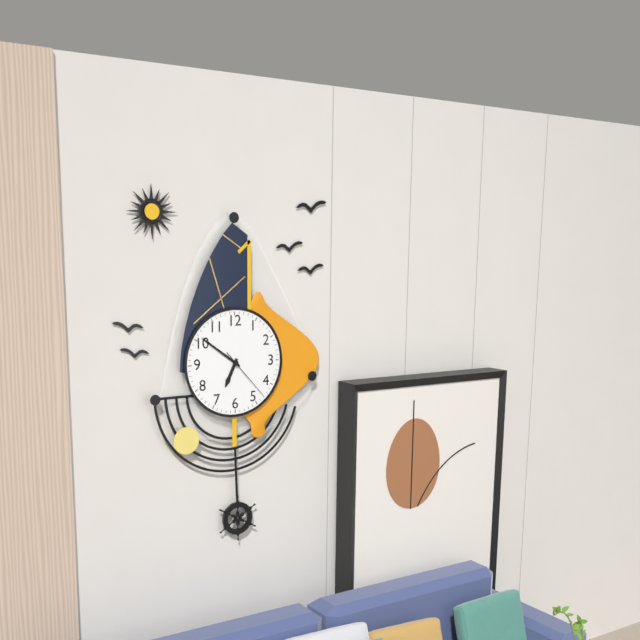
6:51:23
